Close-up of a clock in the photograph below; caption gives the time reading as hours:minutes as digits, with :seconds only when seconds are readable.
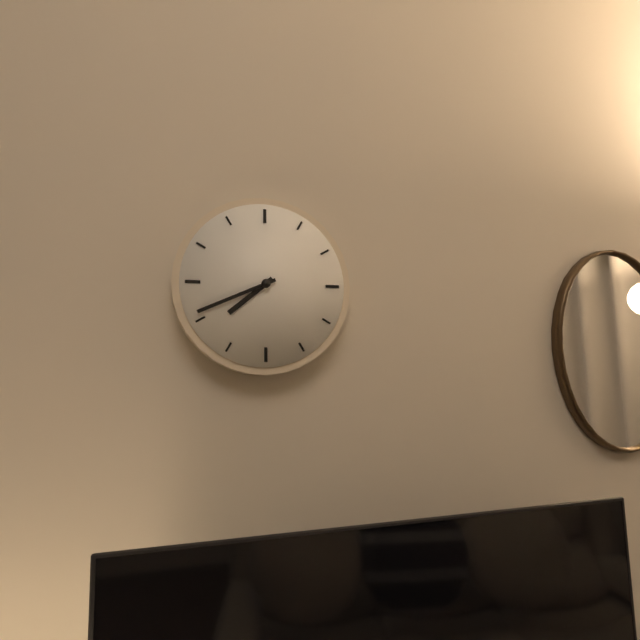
7:41
